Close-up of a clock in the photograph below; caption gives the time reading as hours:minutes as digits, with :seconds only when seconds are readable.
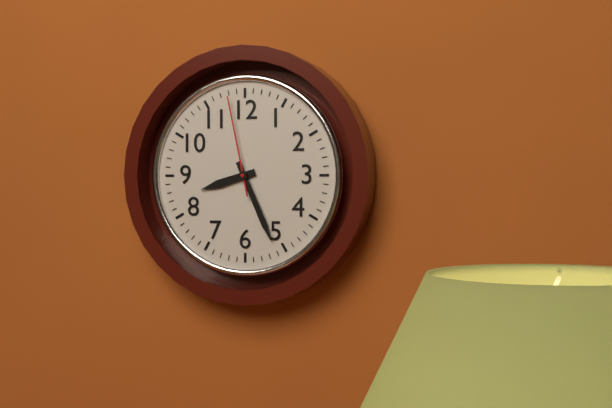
8:26:58
